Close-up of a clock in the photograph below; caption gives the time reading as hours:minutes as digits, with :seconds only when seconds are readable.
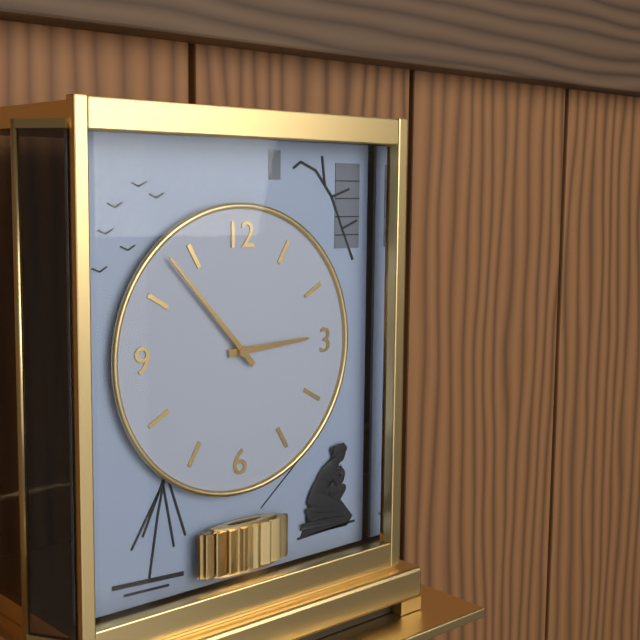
2:53
